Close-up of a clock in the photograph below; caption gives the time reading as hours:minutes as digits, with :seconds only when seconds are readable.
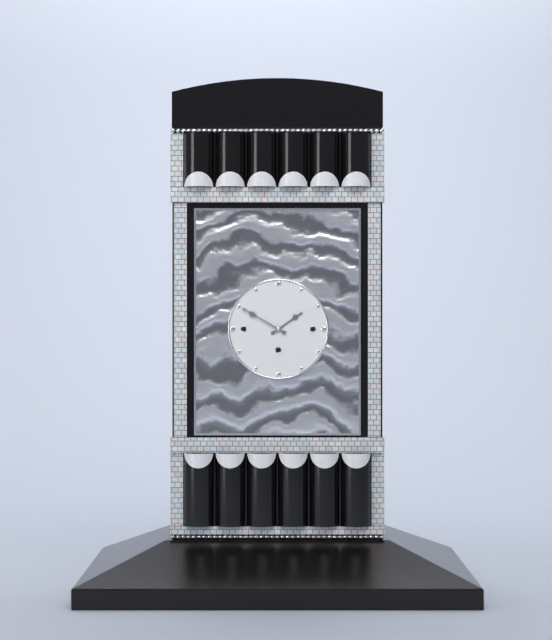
1:50
